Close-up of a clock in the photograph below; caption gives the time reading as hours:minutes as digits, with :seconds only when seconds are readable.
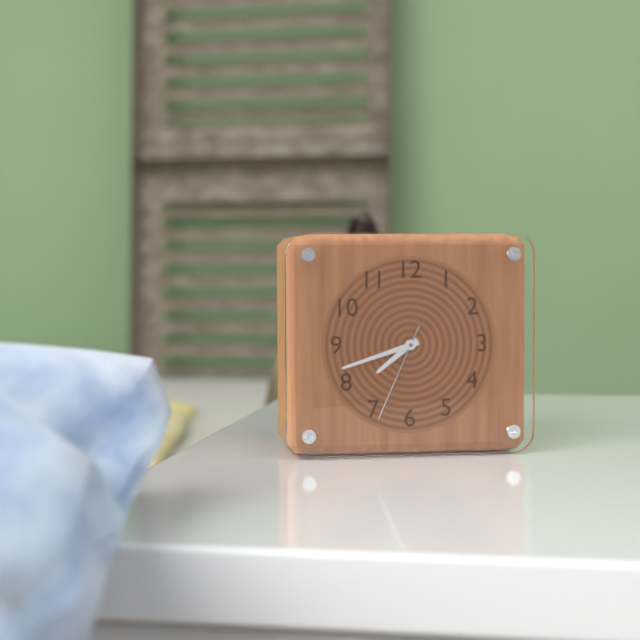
7:42:34
